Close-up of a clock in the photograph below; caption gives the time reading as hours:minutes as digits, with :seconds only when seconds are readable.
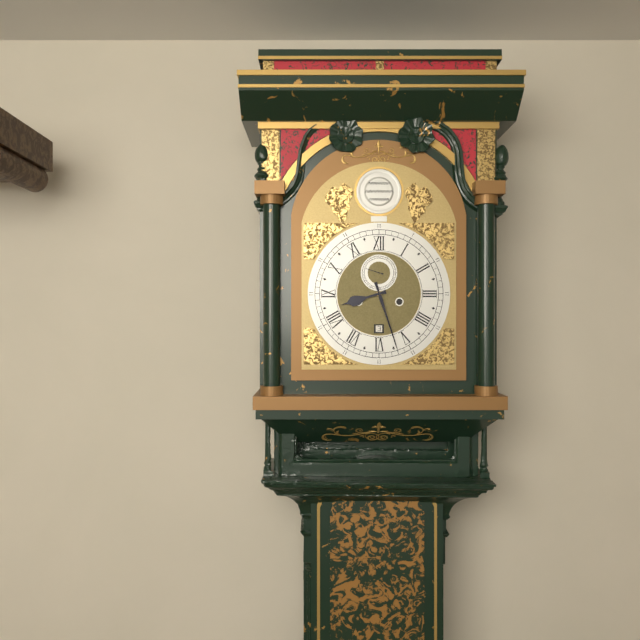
8:27
